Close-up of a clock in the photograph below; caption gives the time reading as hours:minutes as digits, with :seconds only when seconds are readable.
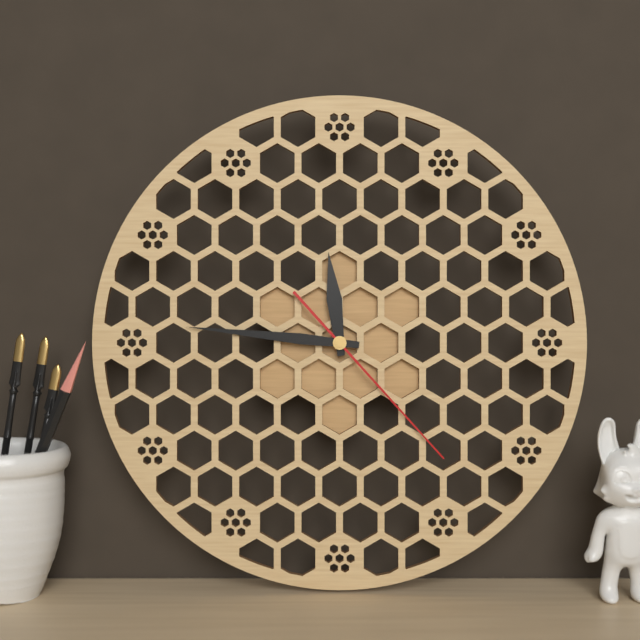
11:46:23
